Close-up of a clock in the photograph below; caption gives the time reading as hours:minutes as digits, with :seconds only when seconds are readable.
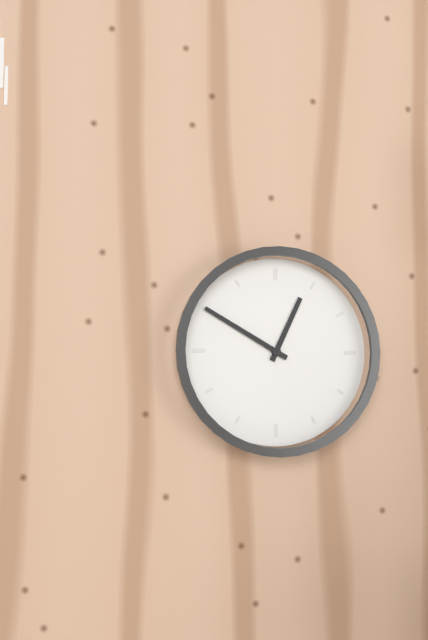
12:50
